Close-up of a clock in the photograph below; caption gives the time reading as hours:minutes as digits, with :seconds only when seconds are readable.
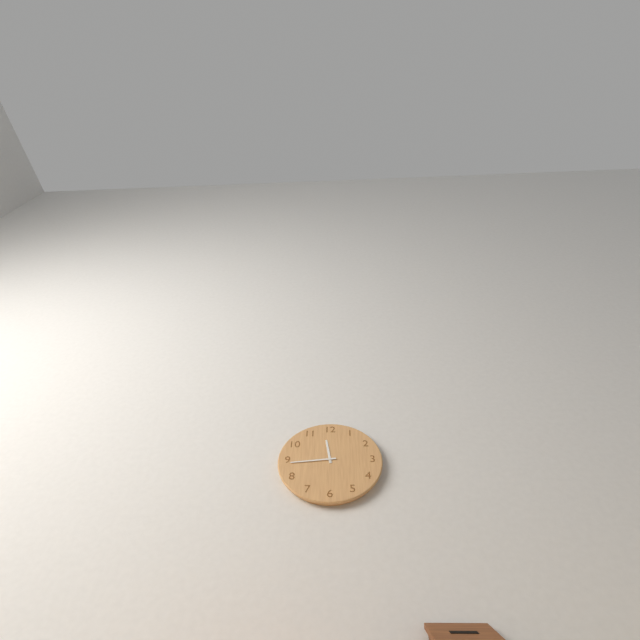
11:44
